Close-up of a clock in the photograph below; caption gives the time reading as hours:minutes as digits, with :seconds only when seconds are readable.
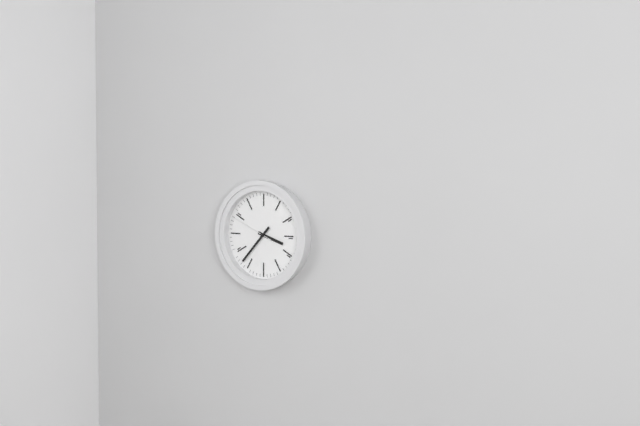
3:37
